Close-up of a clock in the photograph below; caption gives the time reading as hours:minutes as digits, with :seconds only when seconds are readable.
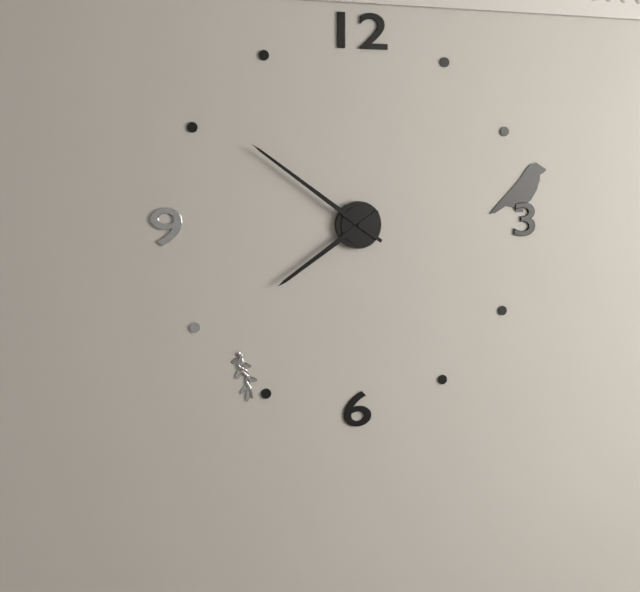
7:51
